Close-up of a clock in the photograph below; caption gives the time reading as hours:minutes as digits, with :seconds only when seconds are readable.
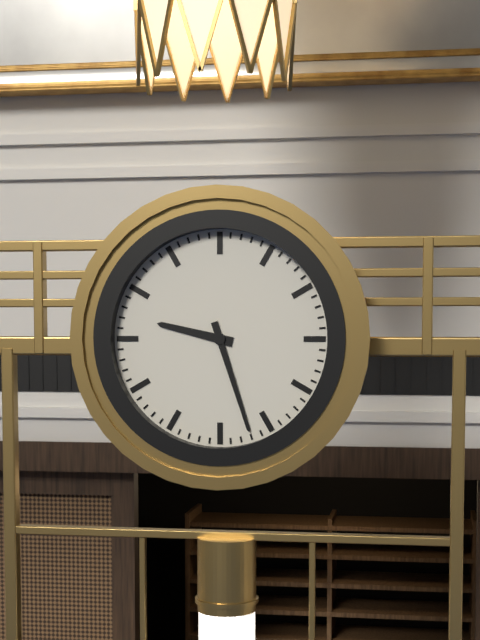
9:27
